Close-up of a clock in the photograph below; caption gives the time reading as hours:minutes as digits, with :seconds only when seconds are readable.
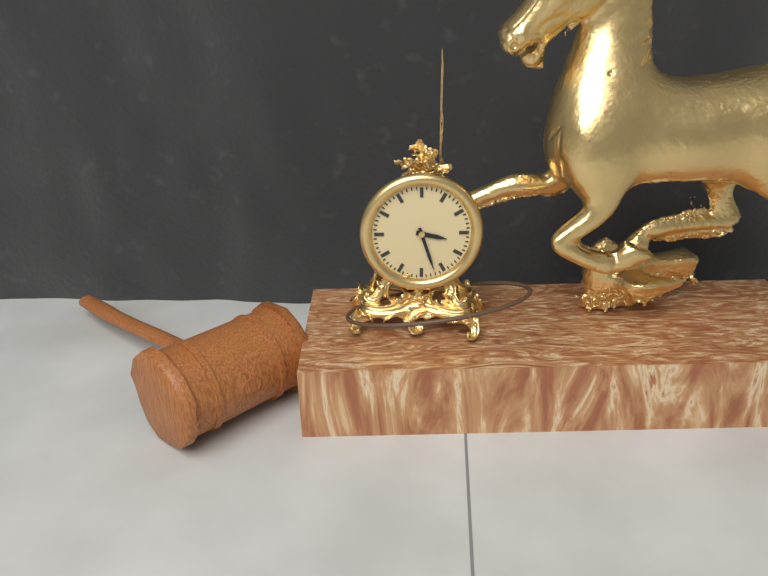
3:27
